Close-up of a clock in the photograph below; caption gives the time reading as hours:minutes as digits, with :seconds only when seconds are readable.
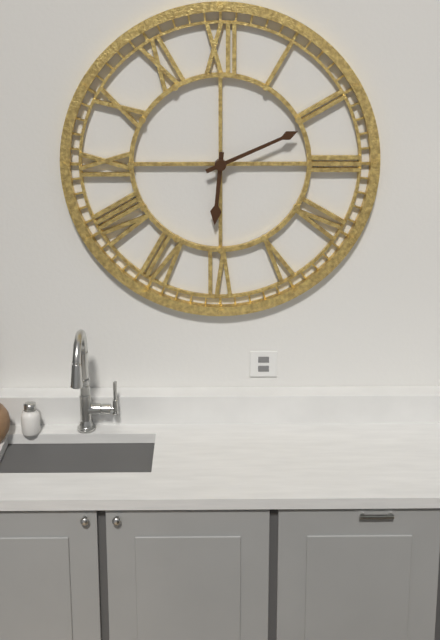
6:11
